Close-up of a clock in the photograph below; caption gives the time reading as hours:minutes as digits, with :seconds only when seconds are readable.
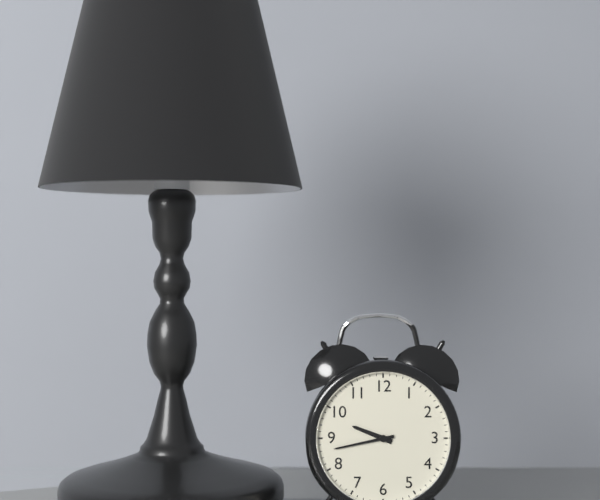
9:43
